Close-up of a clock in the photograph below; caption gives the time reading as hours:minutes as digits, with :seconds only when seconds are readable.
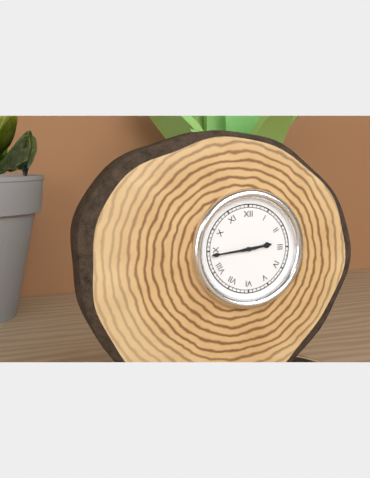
2:44
